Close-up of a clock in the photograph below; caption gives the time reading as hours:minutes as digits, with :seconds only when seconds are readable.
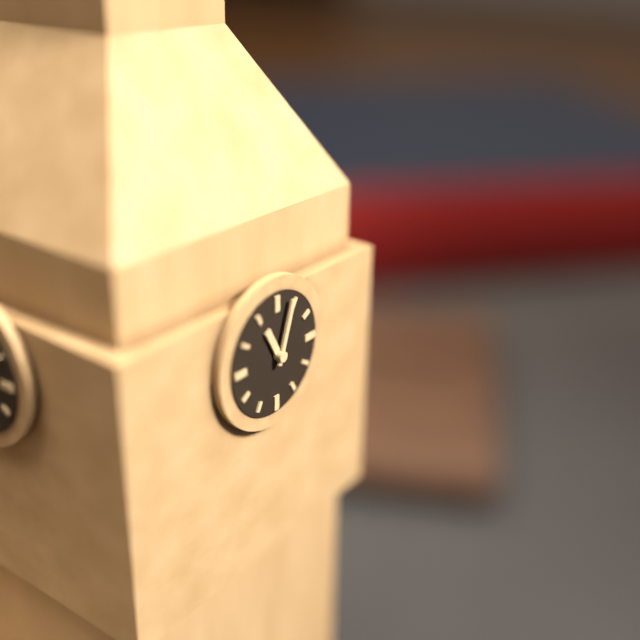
11:03
